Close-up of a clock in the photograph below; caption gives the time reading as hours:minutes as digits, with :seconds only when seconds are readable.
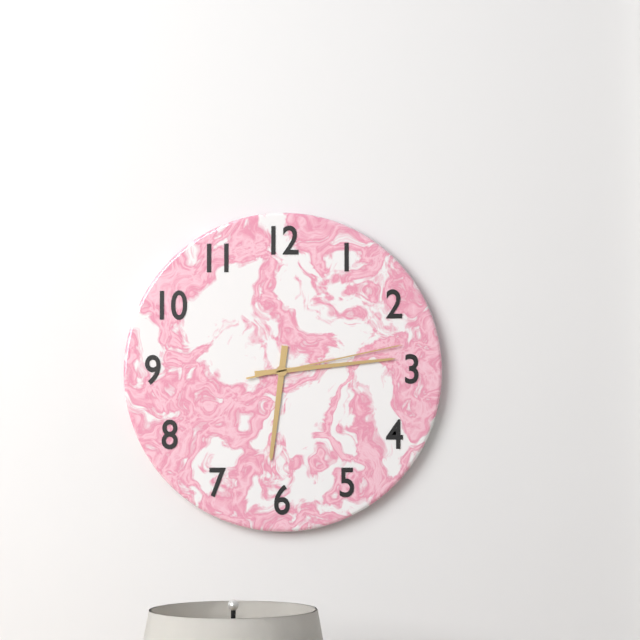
6:14:13
